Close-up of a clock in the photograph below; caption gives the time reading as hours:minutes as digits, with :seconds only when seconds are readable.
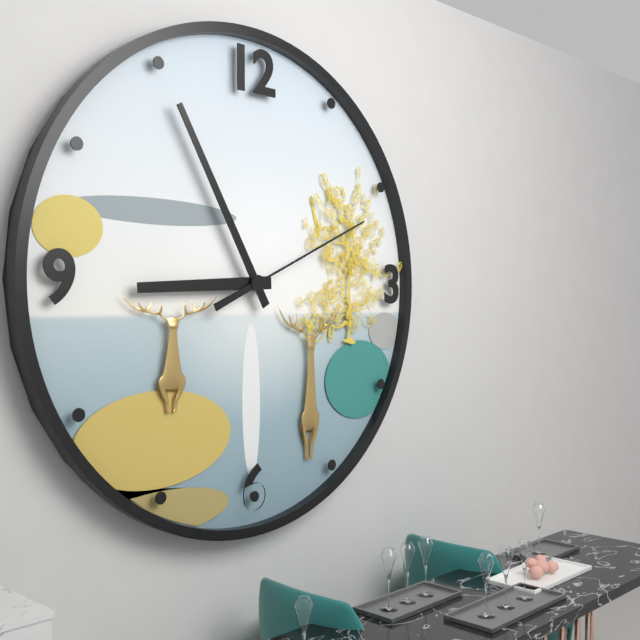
8:55:11
